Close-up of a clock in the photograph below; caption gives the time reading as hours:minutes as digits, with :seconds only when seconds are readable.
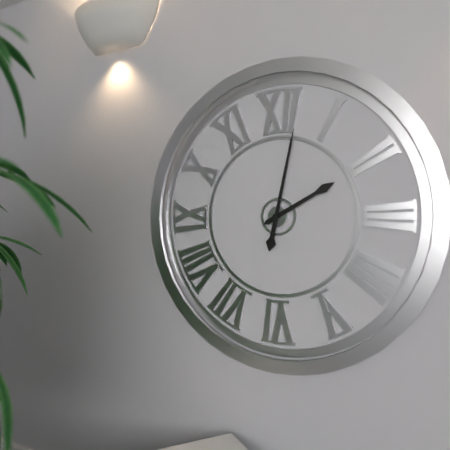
2:02
